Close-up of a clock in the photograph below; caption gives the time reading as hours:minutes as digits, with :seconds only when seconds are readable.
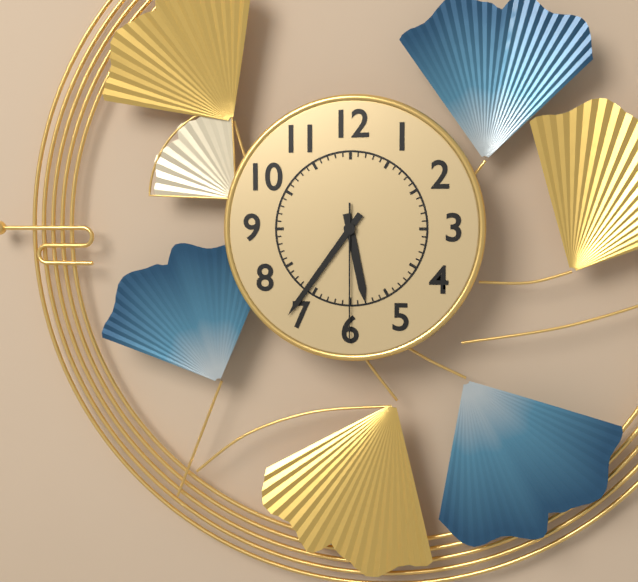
5:36:30
